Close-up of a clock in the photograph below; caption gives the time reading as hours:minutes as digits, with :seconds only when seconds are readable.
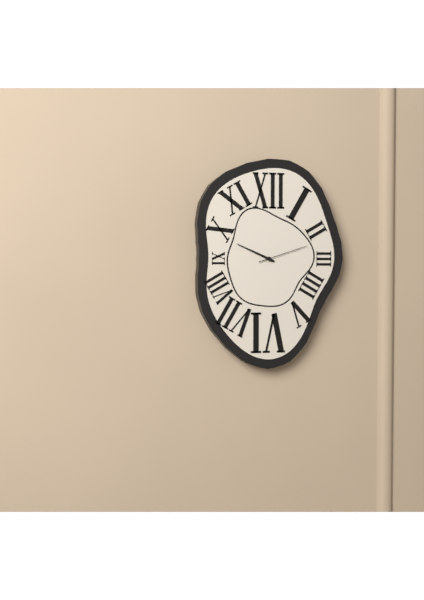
9:49:12
